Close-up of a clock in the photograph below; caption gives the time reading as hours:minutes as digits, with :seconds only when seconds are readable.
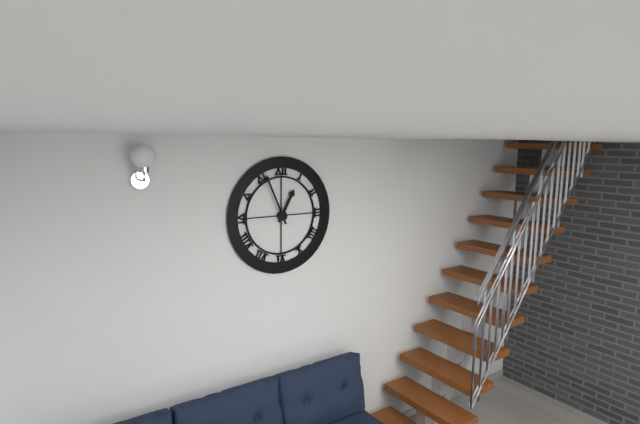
12:56
